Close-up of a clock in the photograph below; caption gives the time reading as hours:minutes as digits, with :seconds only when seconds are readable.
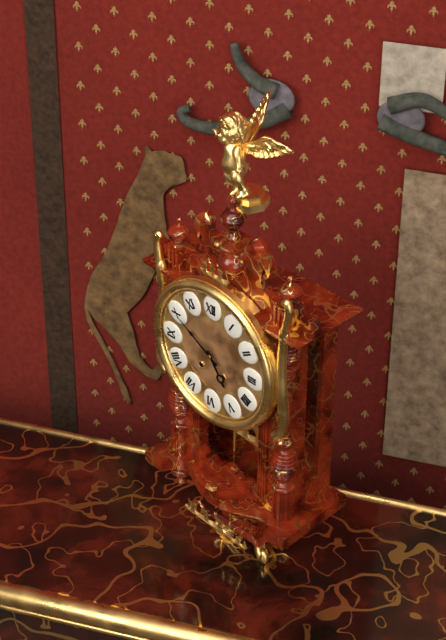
4:50
